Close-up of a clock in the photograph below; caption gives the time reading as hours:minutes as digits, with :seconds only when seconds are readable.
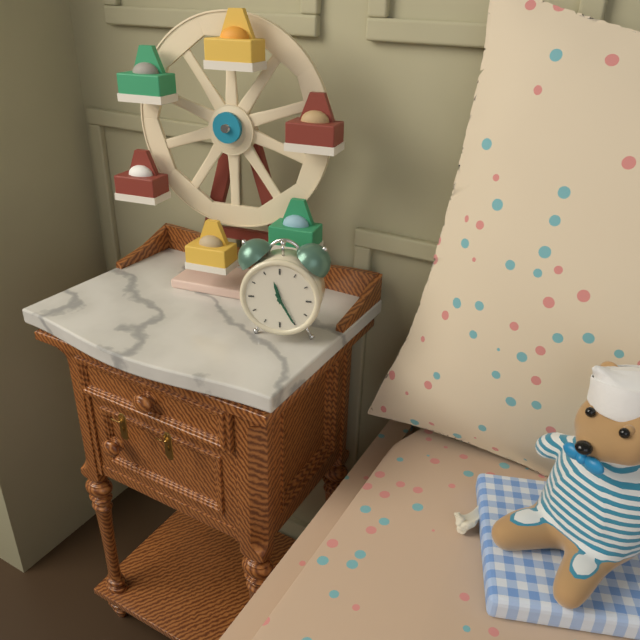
11:25
